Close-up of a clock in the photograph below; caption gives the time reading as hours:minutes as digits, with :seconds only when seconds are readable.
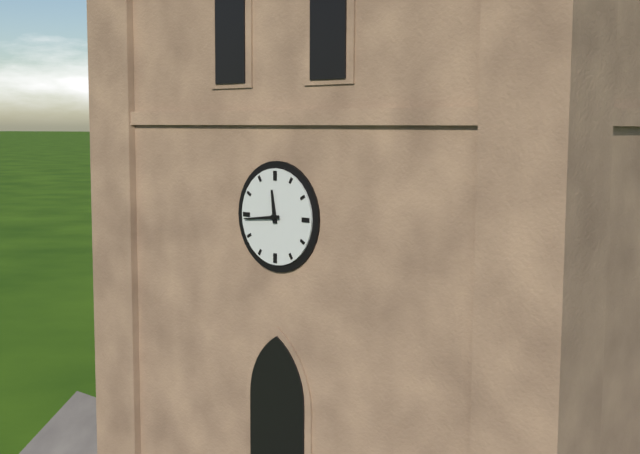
11:44
